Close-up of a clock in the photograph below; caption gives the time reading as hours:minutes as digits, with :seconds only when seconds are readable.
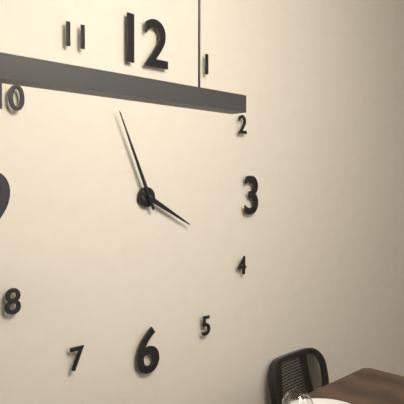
3:56
